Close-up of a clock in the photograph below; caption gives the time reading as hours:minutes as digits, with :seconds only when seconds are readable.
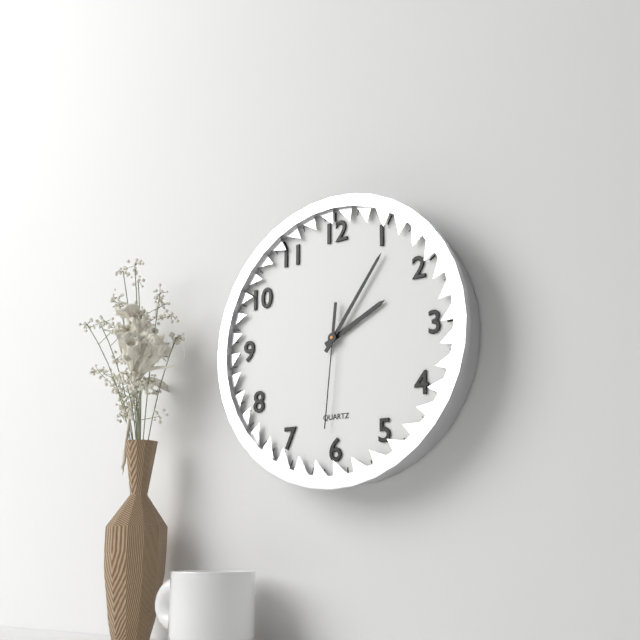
2:06:31
